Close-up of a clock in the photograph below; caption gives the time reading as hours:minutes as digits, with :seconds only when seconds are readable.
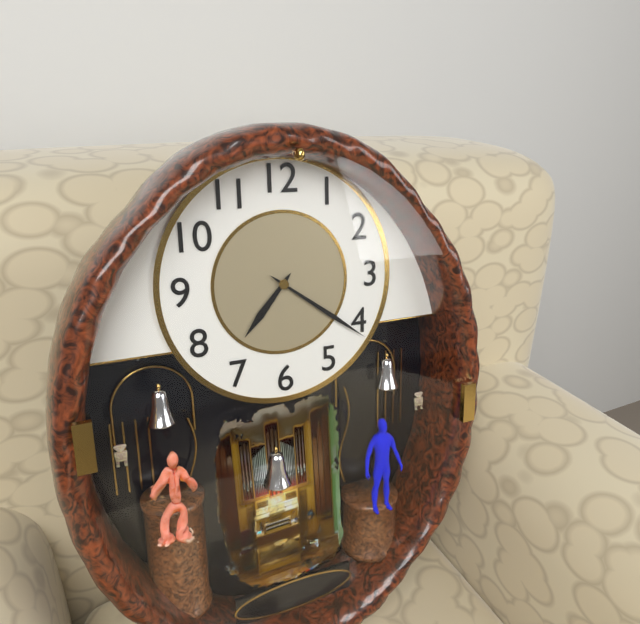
7:21
